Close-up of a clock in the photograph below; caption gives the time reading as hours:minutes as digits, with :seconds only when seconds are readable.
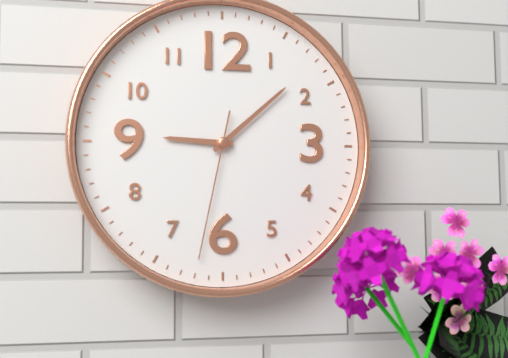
9:08:32
